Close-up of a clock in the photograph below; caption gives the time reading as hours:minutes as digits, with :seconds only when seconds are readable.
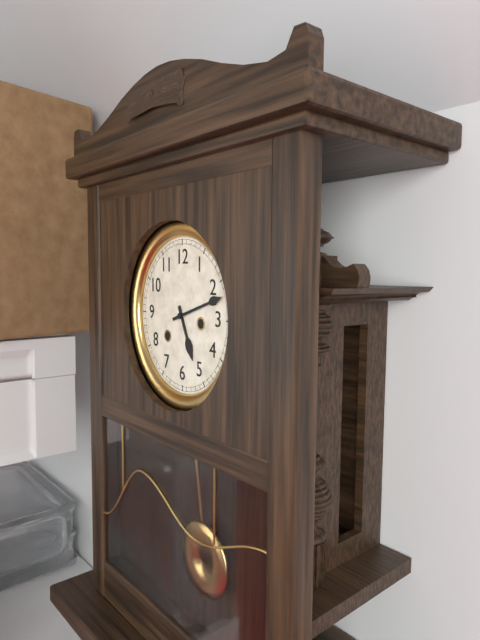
5:12
